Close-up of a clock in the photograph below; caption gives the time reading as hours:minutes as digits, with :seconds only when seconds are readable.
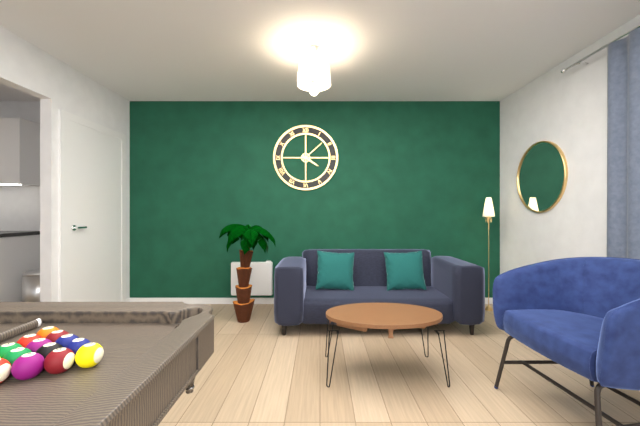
4:08
